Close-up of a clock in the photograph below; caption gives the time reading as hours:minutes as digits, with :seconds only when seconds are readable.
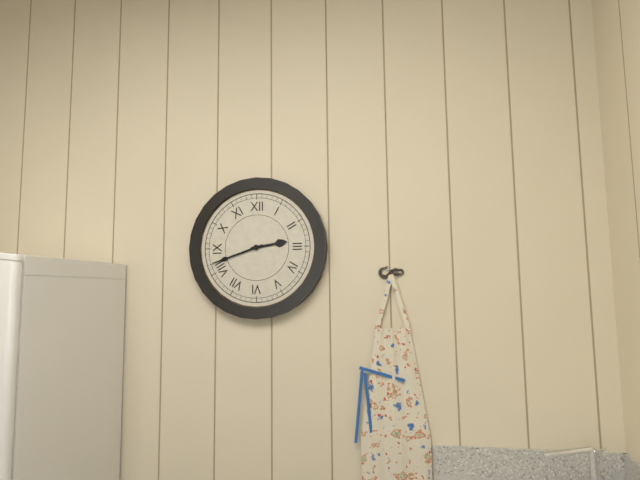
2:42
